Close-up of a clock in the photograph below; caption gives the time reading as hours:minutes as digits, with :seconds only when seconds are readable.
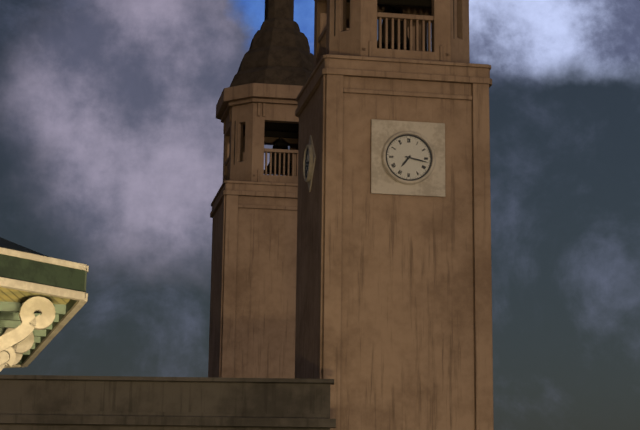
7:17
